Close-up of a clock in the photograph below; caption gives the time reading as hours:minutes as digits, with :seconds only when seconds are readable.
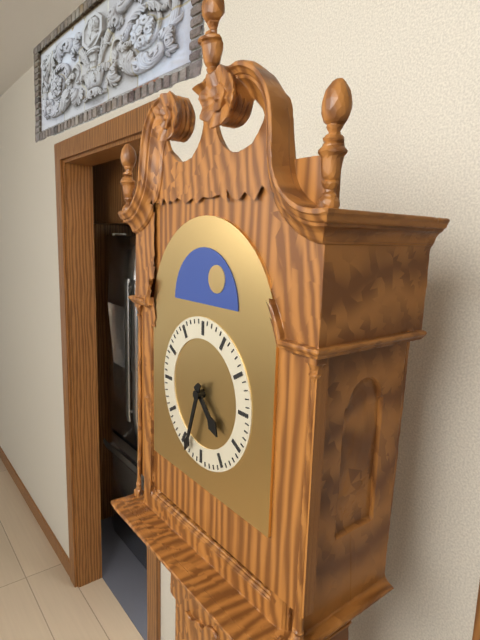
4:33
